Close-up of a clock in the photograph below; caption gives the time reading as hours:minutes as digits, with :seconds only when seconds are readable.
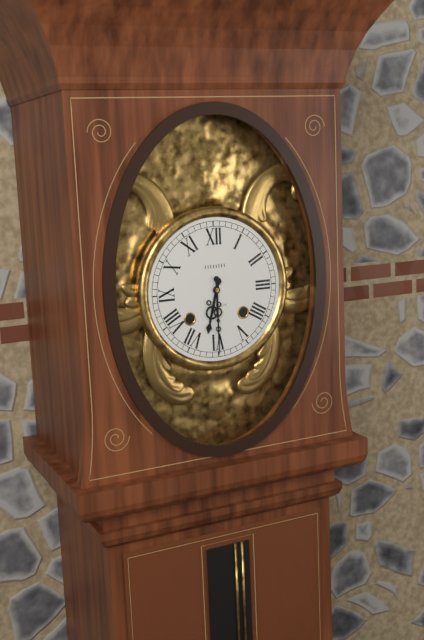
6:30
